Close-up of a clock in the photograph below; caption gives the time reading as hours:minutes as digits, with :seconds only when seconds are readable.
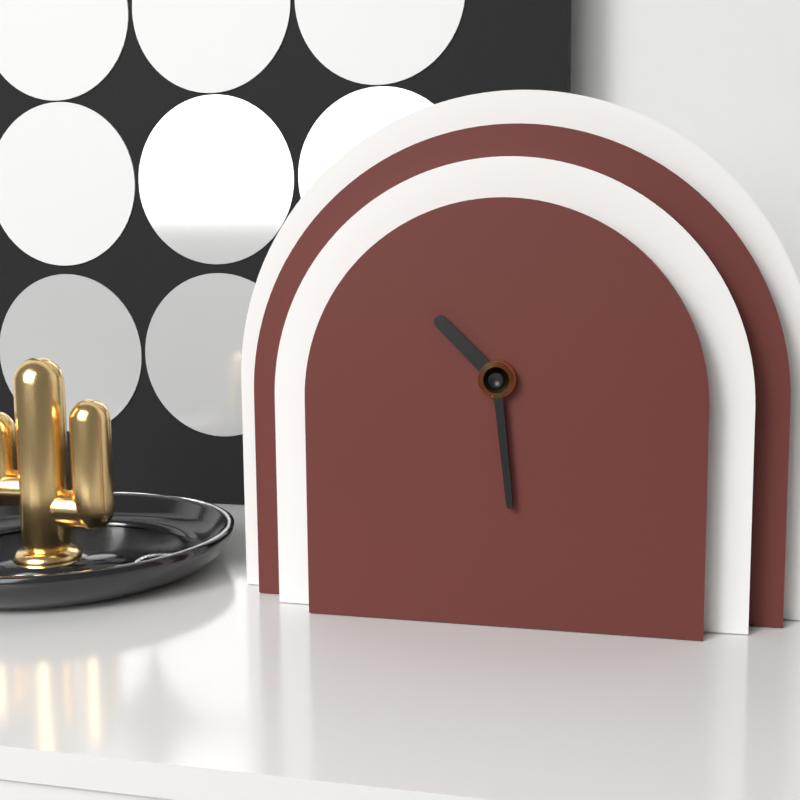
10:29
